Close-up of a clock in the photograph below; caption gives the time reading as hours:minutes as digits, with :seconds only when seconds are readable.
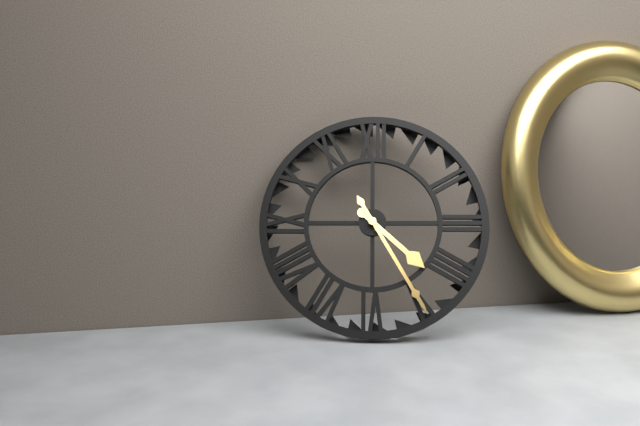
4:25
